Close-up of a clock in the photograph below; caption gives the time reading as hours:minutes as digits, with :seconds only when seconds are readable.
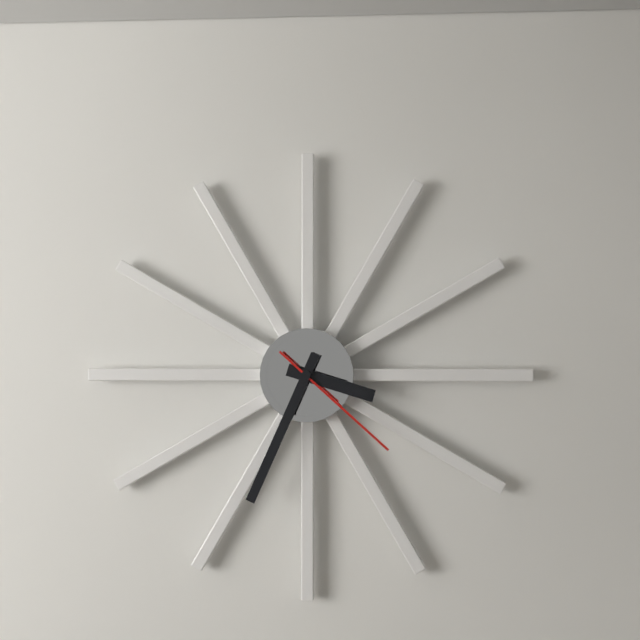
3:34:22
